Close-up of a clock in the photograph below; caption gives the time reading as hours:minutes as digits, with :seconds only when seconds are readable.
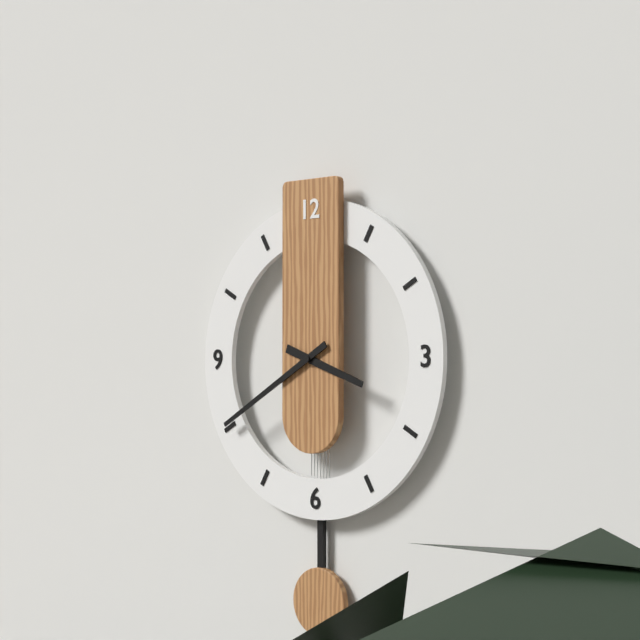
3:40
